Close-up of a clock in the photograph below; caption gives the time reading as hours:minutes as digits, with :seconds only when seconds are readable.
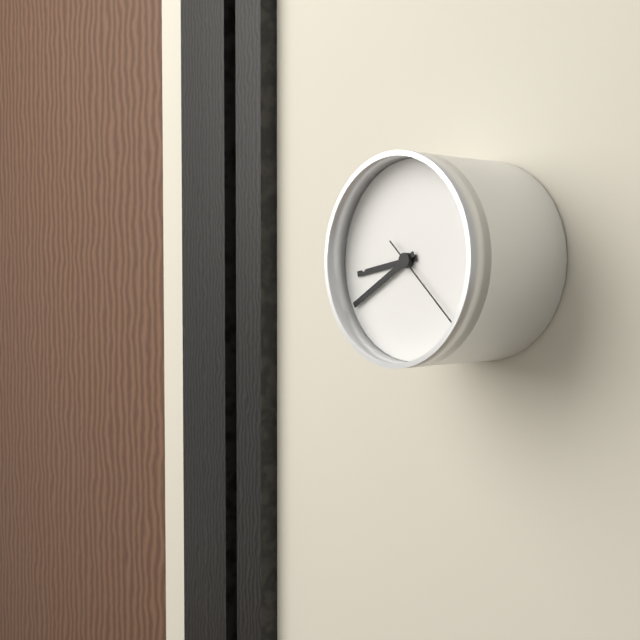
8:40:22
